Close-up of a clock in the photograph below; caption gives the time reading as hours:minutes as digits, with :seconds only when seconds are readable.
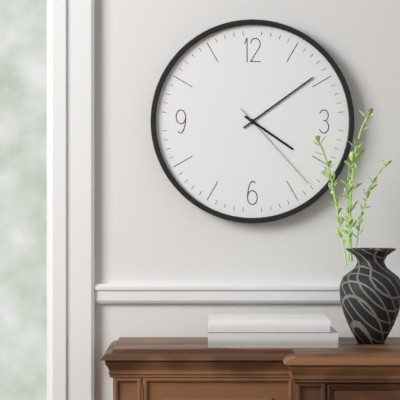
4:09:23
